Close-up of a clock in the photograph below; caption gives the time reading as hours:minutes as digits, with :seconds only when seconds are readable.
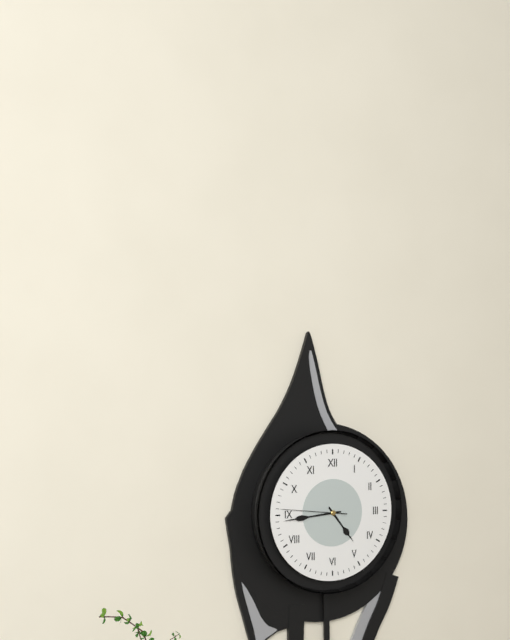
4:44:46
